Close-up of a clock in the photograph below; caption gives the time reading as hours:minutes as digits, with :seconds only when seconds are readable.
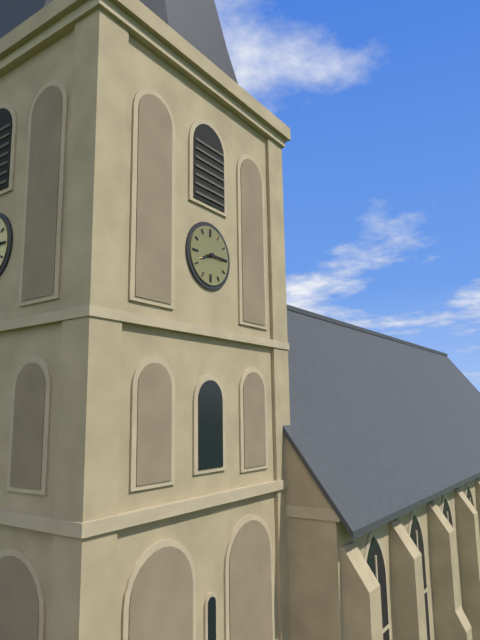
8:15
